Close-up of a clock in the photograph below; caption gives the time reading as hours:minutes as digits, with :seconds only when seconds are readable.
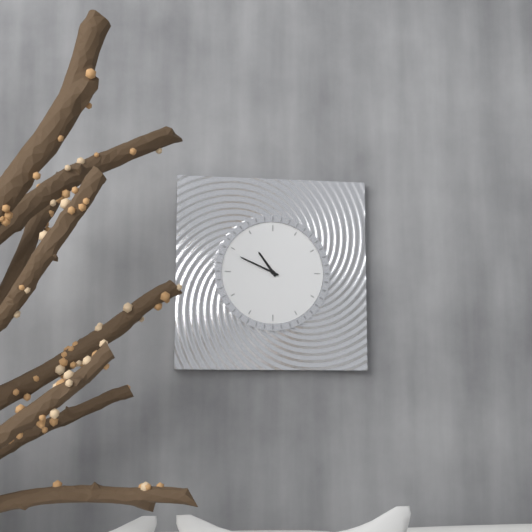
10:49
